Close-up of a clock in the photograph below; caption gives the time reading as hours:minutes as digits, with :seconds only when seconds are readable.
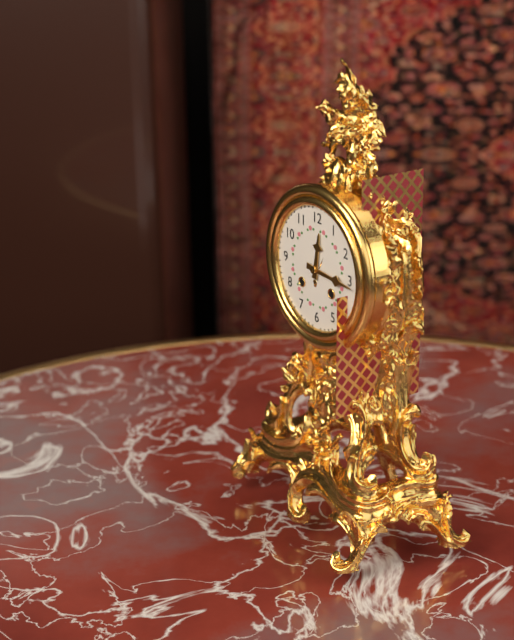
12:16
